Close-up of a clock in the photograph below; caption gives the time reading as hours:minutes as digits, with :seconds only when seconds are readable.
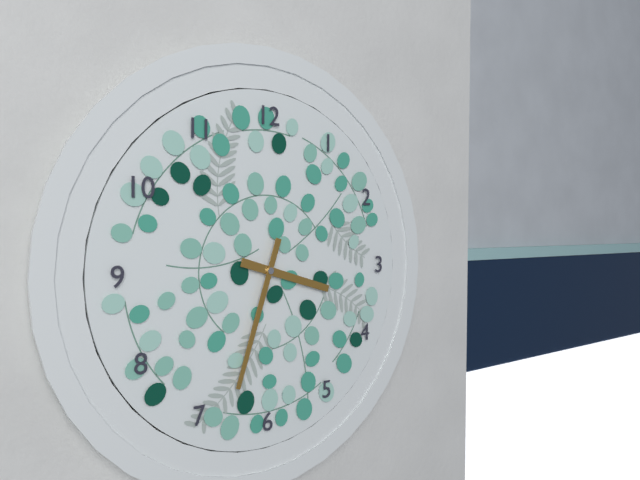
3:33
